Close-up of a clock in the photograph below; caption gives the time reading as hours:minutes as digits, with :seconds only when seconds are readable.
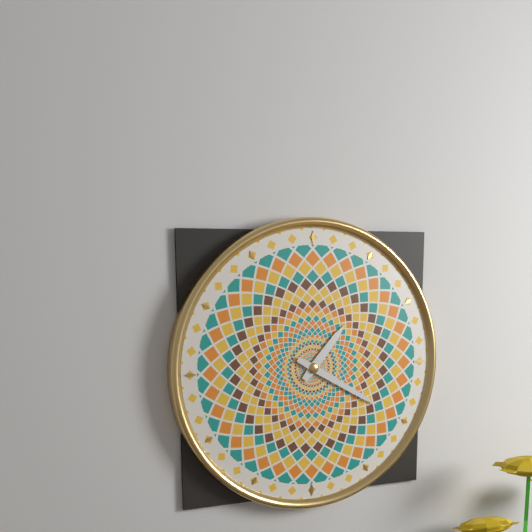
1:20
